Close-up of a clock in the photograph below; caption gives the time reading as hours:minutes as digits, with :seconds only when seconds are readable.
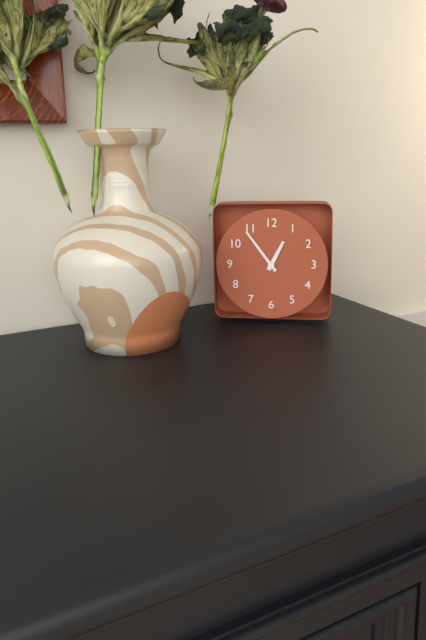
12:54
